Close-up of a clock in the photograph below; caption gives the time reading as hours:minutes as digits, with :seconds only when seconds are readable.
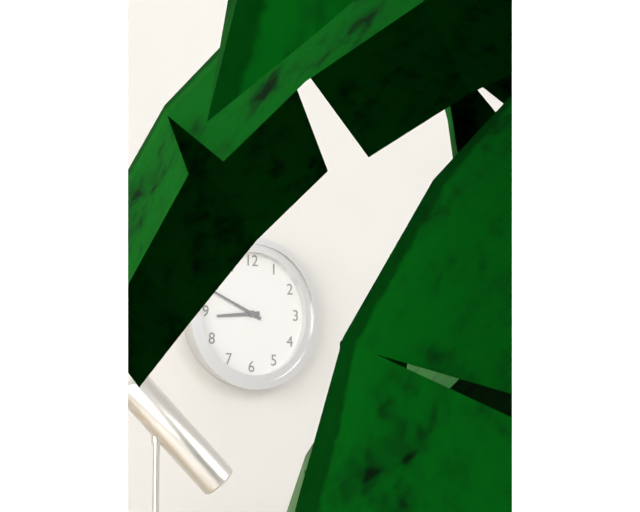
8:49
